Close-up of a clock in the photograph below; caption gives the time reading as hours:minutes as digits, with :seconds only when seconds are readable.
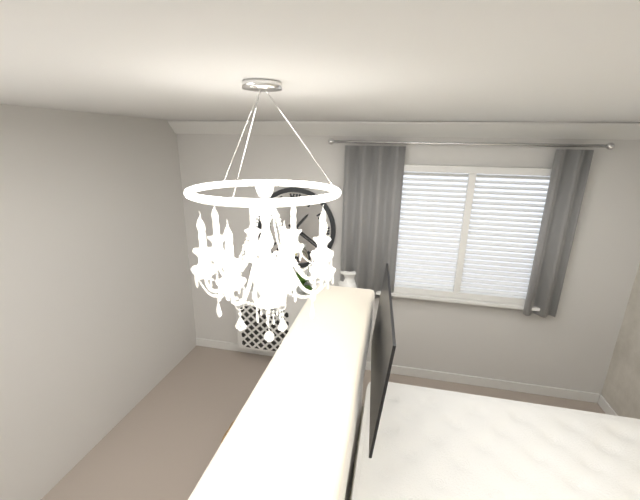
1:21
